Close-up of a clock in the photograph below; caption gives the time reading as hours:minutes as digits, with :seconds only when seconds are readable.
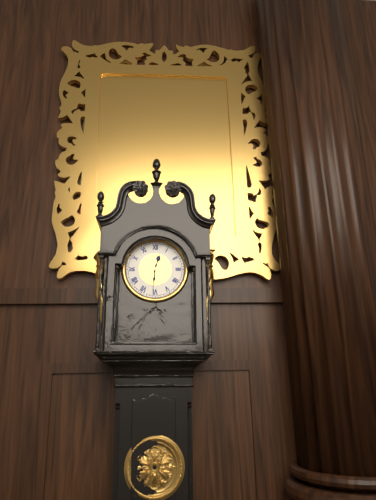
12:31
